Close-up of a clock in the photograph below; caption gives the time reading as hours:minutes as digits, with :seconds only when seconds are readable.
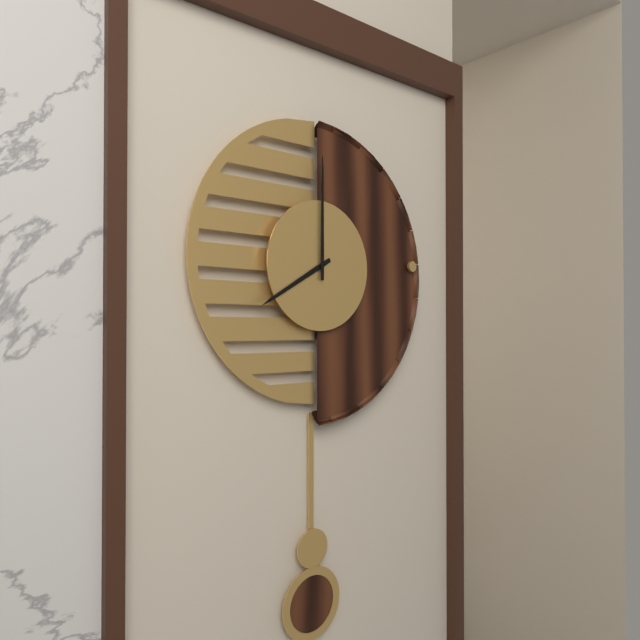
8:00
